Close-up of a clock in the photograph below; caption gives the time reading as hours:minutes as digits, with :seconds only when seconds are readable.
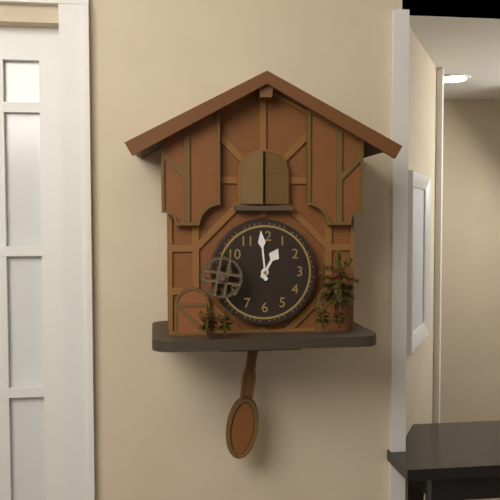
12:59
